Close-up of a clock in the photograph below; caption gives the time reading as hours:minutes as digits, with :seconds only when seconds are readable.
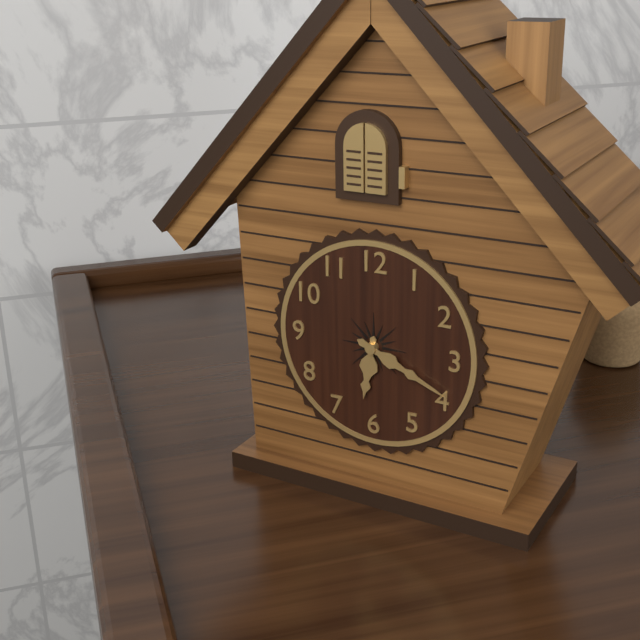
6:19
